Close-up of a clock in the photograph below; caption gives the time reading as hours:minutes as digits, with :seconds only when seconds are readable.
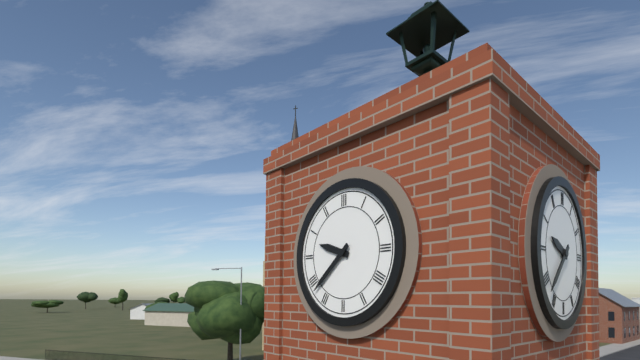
9:38
